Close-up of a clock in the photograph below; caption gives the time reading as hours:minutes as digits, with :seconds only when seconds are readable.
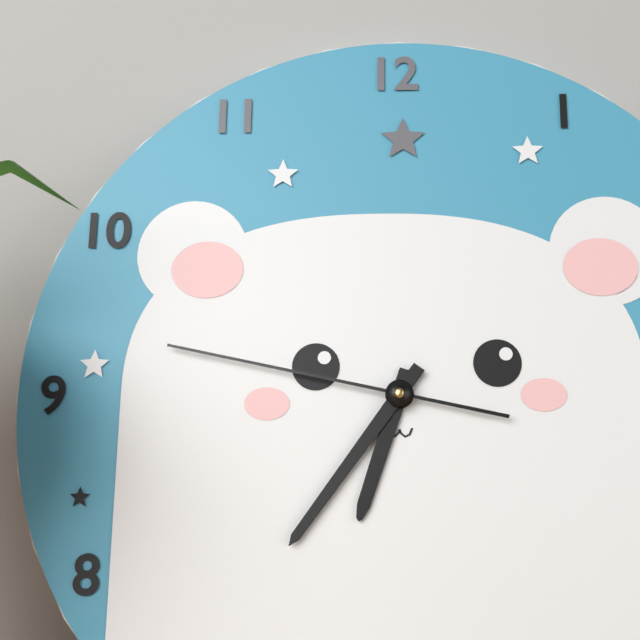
6:36:47
